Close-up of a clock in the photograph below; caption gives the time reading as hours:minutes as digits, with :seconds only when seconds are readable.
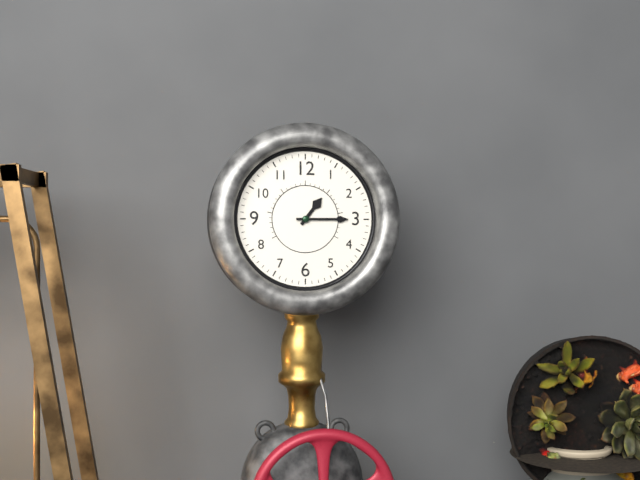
1:15
